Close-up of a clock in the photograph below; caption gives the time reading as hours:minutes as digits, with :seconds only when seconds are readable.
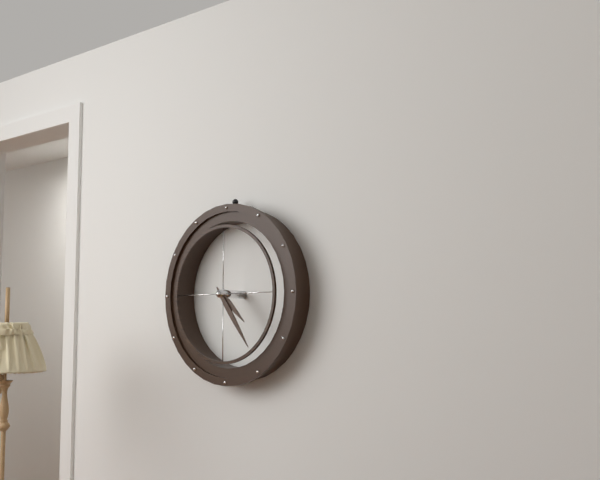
4:24
